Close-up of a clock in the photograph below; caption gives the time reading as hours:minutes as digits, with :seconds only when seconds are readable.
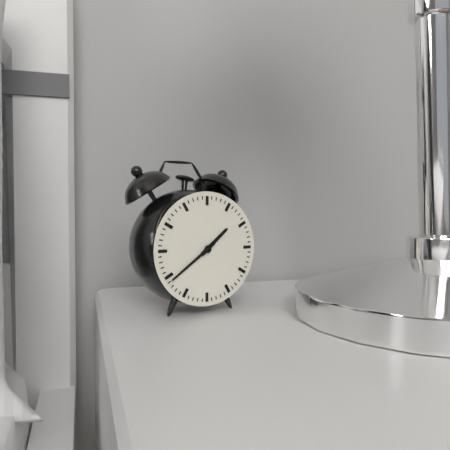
1:39
